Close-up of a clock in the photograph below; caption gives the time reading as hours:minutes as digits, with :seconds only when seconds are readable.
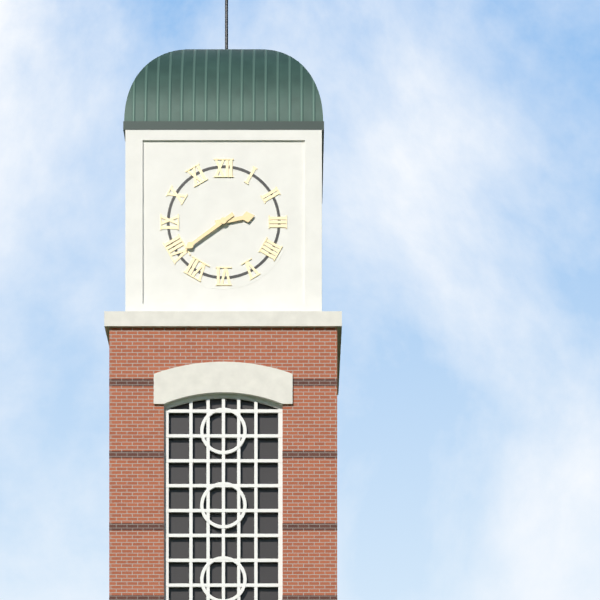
2:39
